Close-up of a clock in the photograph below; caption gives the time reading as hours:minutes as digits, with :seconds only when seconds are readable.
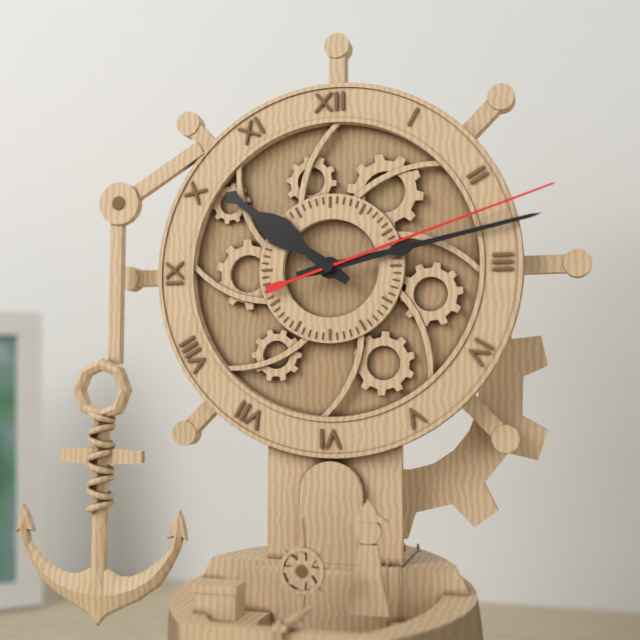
10:13:12
